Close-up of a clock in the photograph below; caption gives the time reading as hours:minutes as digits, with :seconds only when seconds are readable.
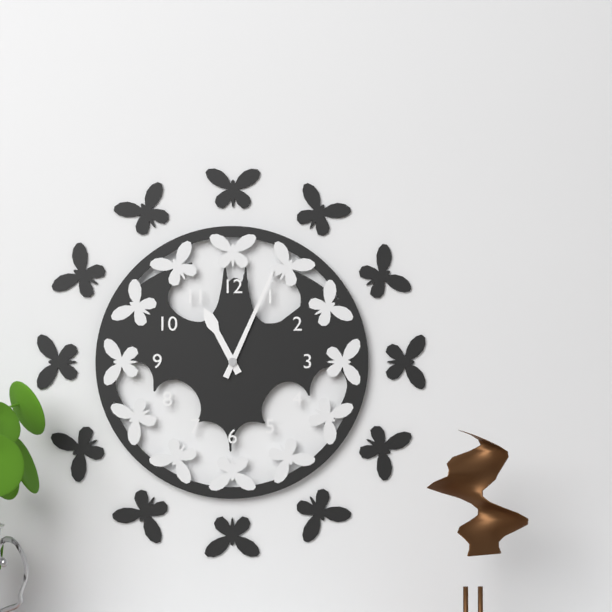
11:04
